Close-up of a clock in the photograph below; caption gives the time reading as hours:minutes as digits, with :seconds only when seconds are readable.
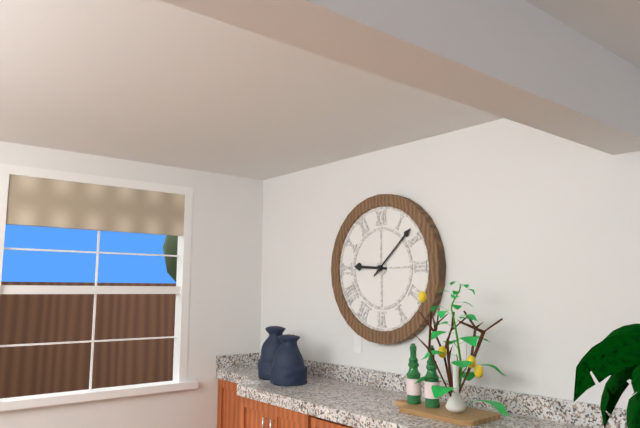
9:08
